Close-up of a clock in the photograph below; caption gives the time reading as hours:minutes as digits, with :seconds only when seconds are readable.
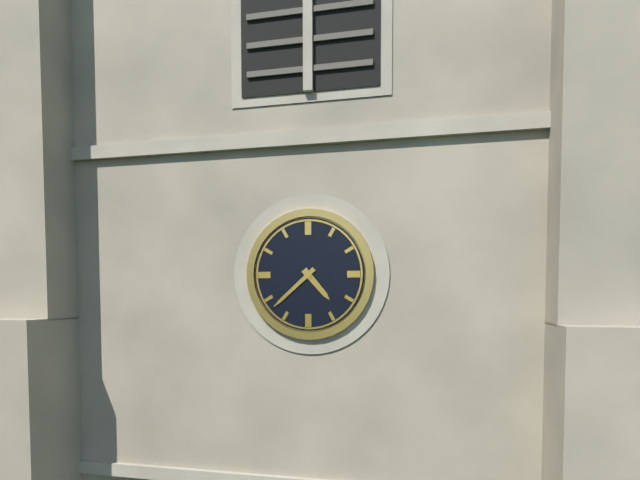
4:38
